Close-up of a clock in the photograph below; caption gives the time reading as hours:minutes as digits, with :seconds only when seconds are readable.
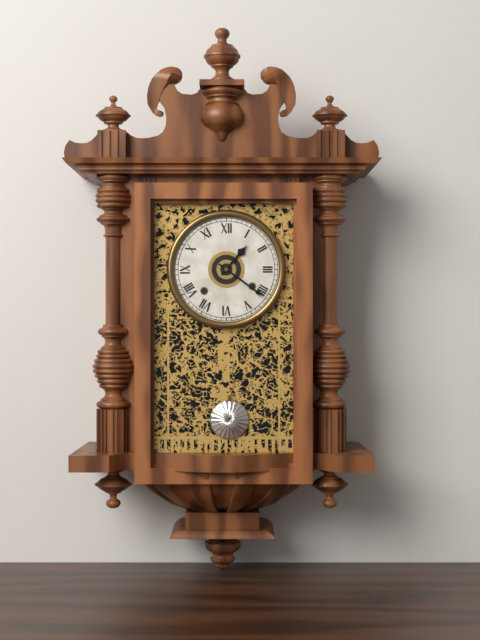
1:21
